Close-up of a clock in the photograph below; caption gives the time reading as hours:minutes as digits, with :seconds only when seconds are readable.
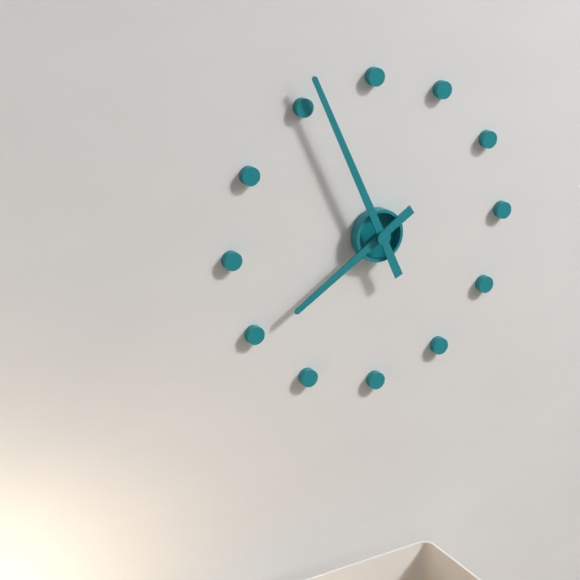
7:56
